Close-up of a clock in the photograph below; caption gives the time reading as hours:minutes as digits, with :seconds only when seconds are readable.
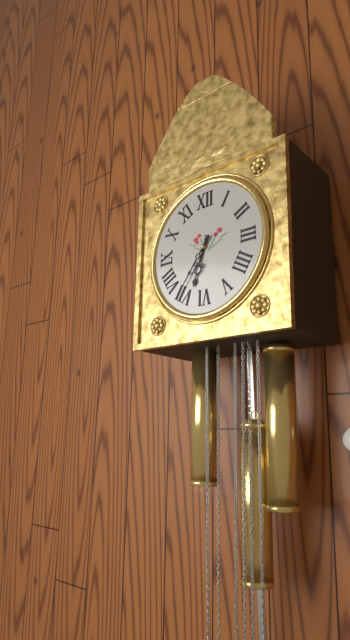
6:36
